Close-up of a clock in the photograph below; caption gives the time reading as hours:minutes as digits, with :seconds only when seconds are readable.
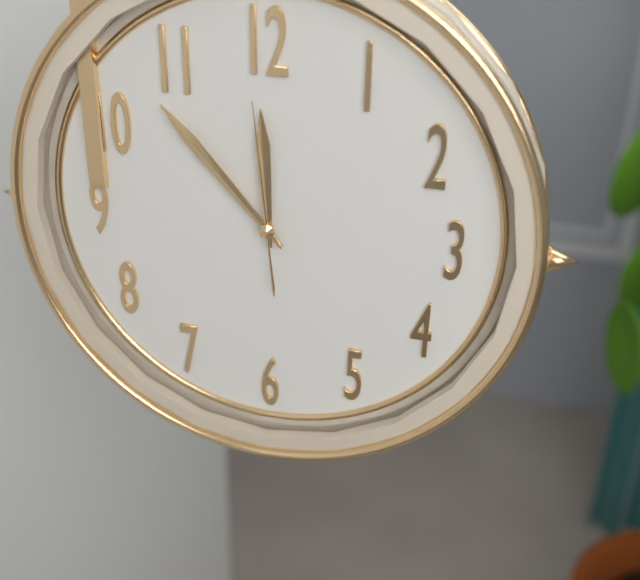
11:53:59
